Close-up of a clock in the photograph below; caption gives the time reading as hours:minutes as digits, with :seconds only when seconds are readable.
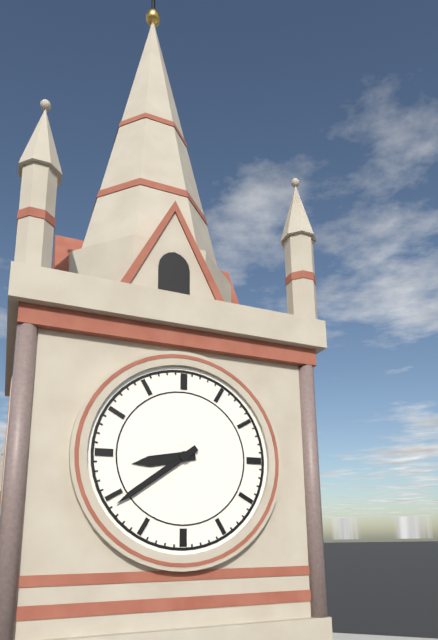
8:39
